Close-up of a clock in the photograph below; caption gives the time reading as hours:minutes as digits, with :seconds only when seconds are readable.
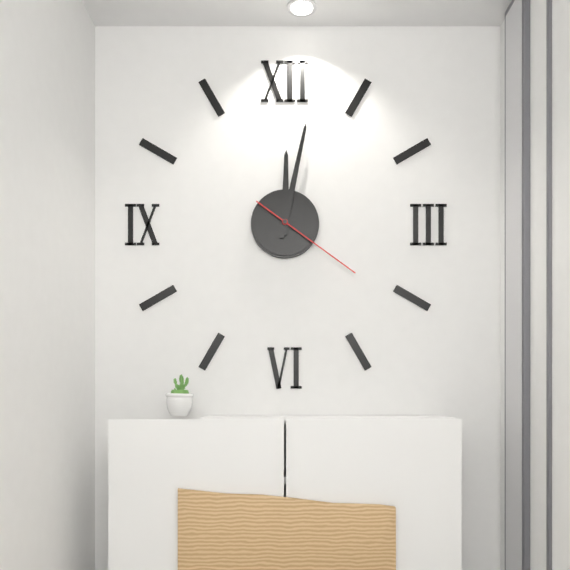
12:02:21
